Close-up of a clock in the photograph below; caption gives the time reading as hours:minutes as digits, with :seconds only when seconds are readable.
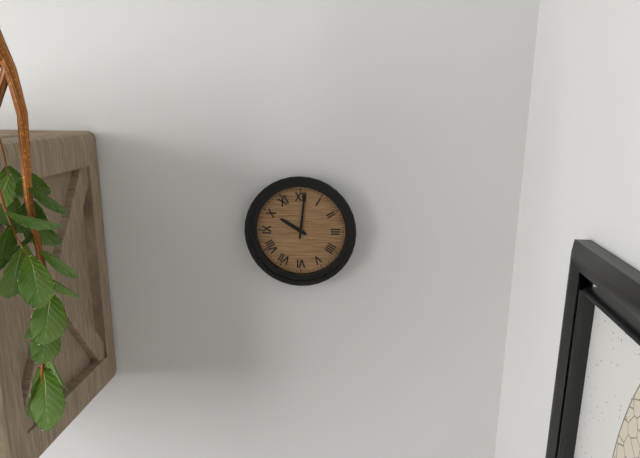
10:01
